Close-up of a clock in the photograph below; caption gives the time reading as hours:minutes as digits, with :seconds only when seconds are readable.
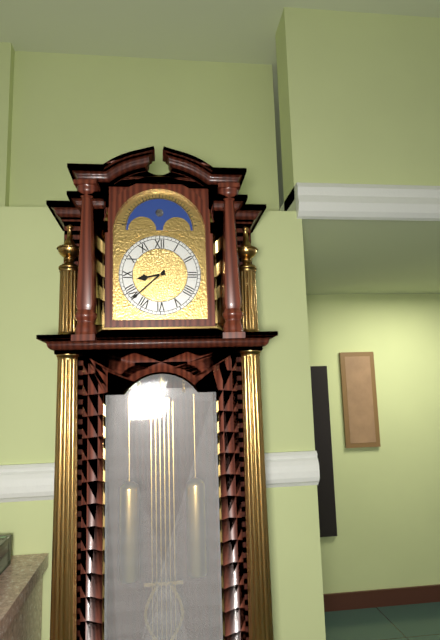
8:38
